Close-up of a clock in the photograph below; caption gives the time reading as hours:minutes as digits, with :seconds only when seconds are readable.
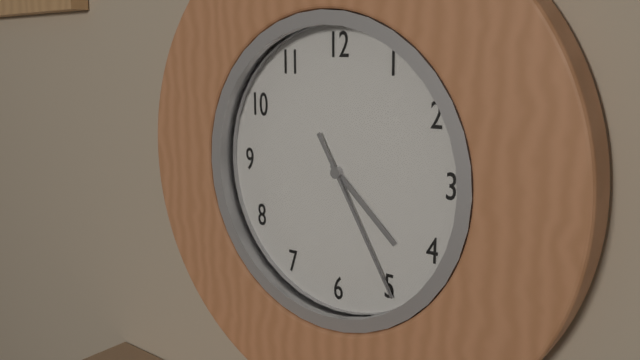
4:25:25
